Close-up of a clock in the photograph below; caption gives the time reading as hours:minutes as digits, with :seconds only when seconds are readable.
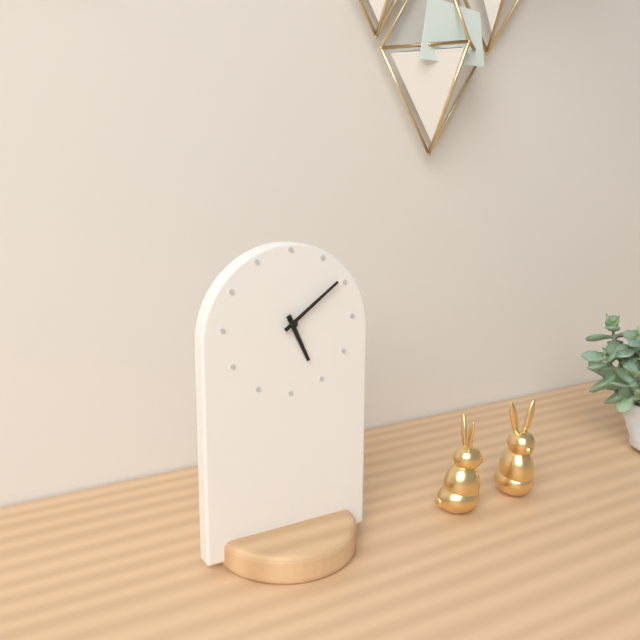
5:09
